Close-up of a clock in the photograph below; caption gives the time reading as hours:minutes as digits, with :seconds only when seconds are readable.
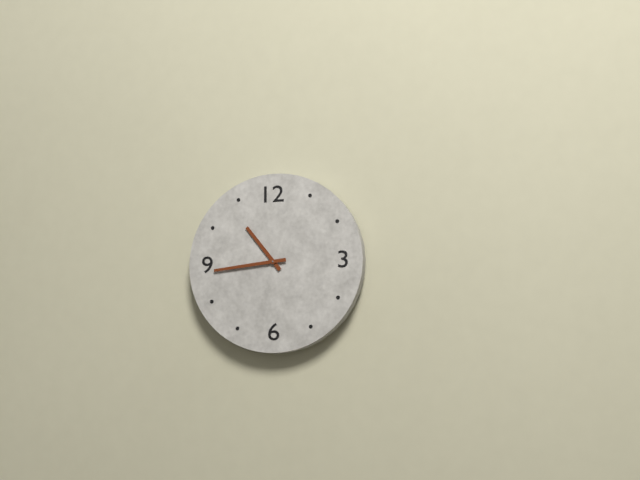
10:44
